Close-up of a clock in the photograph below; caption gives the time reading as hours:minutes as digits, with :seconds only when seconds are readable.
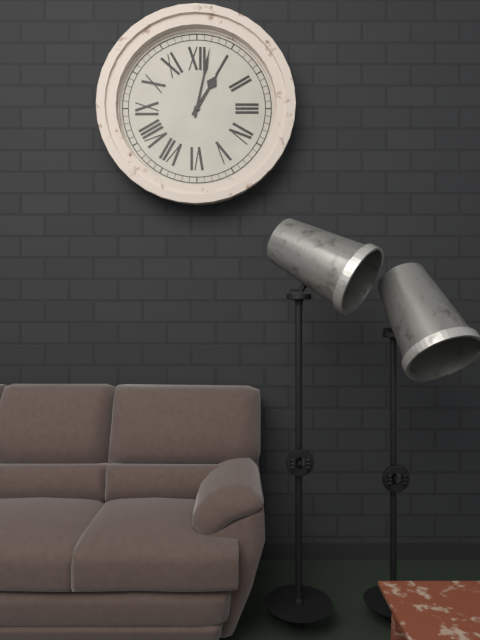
1:02
